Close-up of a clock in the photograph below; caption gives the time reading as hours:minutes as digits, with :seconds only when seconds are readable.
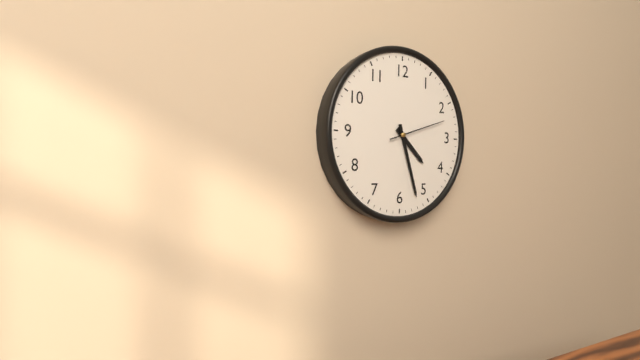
4:27:12
